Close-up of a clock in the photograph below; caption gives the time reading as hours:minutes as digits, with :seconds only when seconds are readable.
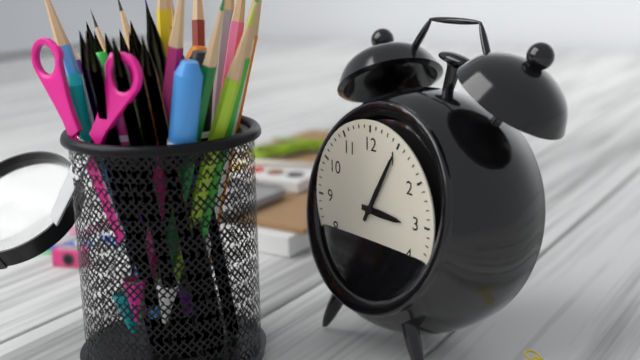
3:05
